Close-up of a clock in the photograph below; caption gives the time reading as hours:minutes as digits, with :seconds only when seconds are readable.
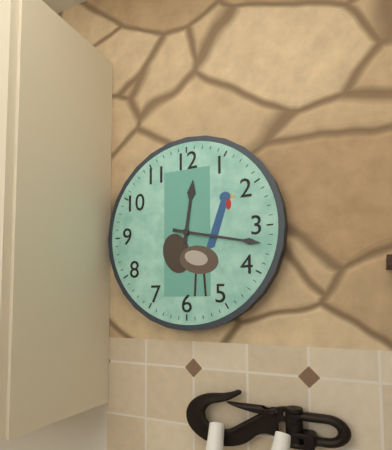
12:17
